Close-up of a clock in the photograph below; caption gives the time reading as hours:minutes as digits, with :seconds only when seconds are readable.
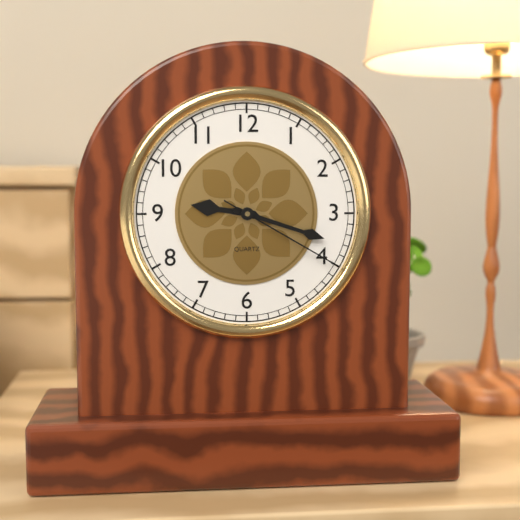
9:18:20
